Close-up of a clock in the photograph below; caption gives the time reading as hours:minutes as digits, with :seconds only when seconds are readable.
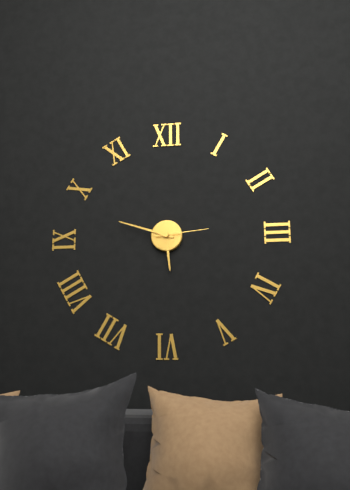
5:48:14
